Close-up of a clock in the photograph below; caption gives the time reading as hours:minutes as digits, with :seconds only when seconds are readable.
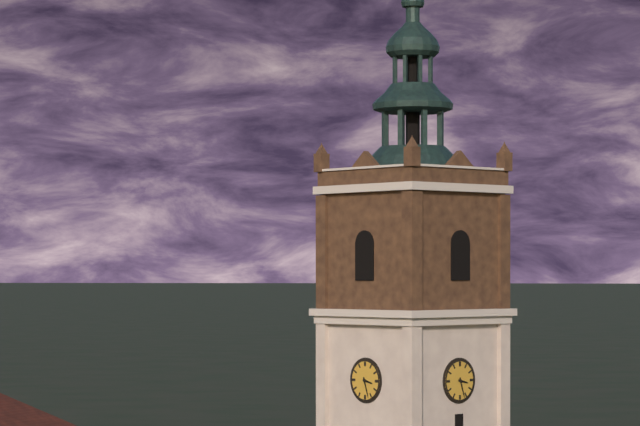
3:27
